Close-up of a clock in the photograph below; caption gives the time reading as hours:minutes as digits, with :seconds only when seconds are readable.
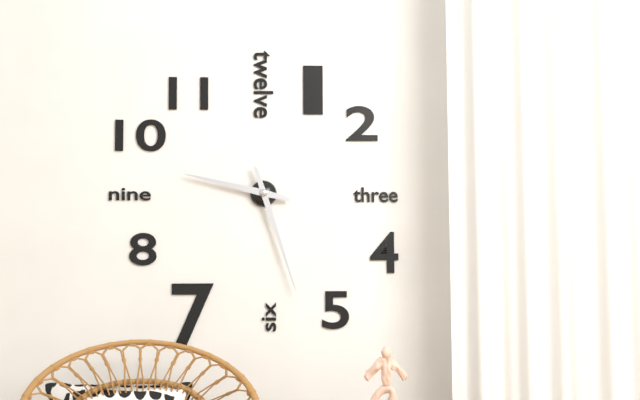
9:27
